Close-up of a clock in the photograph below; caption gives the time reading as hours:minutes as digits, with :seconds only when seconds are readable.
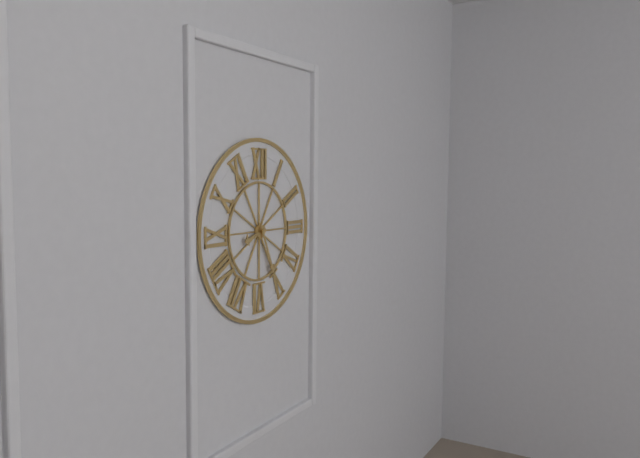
8:26
